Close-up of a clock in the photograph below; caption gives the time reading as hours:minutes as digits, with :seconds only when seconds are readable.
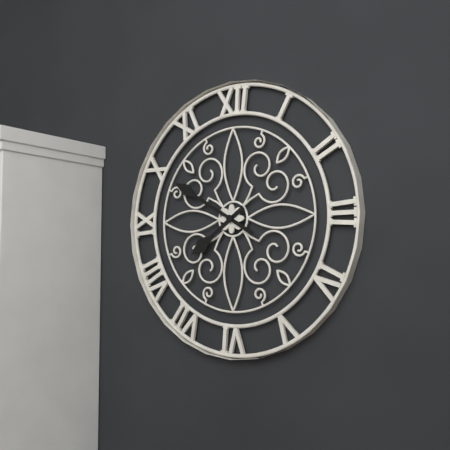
7:50
